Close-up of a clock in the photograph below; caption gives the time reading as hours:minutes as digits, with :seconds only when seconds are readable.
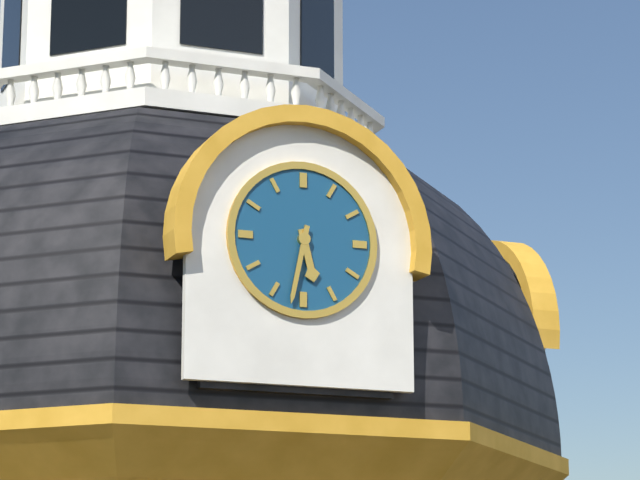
5:32
